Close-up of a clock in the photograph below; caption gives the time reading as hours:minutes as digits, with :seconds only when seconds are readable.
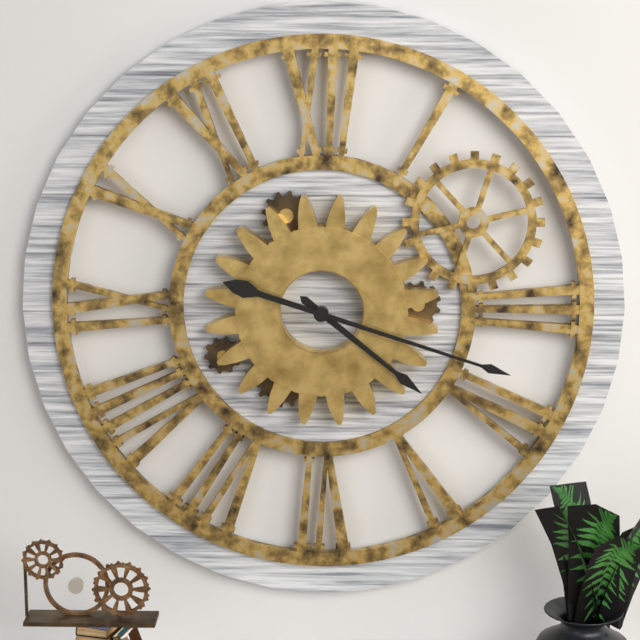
4:18
